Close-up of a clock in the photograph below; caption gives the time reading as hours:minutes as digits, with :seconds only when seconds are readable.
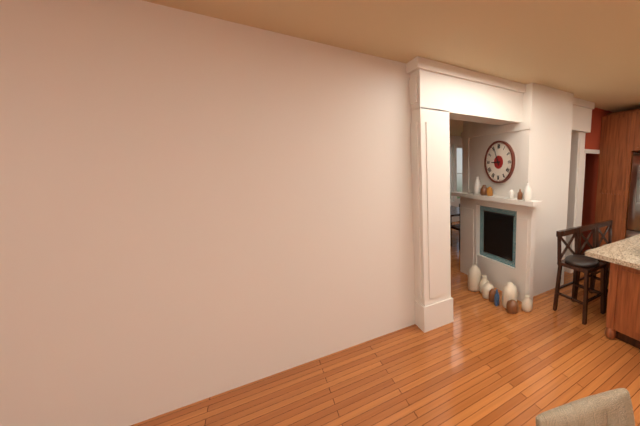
8:56
